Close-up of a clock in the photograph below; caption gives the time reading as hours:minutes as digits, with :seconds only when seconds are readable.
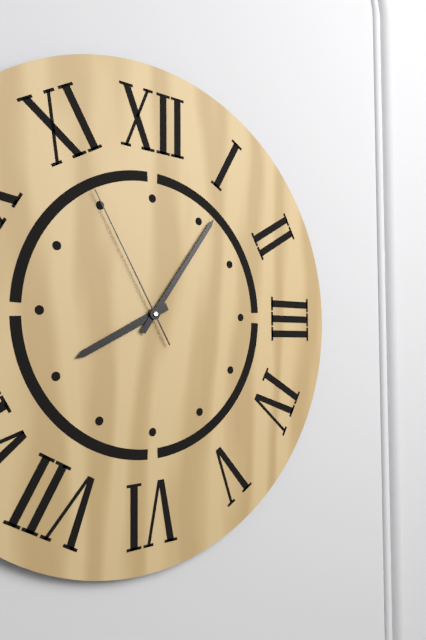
8:06:55
